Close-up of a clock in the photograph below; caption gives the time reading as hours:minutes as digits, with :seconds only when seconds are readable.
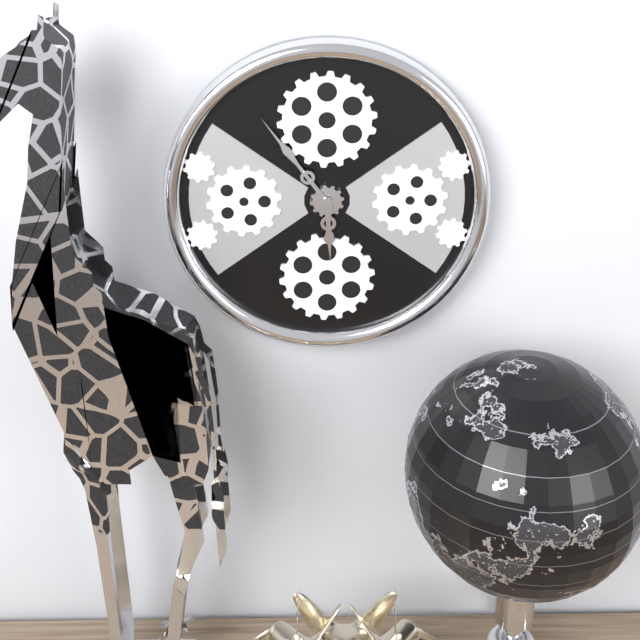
5:54
